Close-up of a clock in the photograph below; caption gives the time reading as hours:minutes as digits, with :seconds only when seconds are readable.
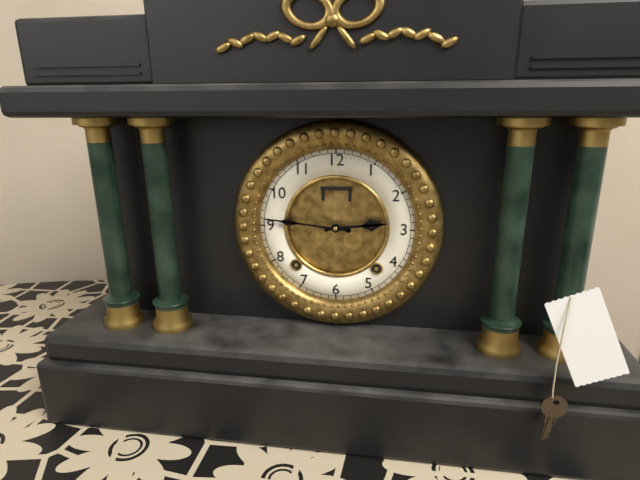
2:46
